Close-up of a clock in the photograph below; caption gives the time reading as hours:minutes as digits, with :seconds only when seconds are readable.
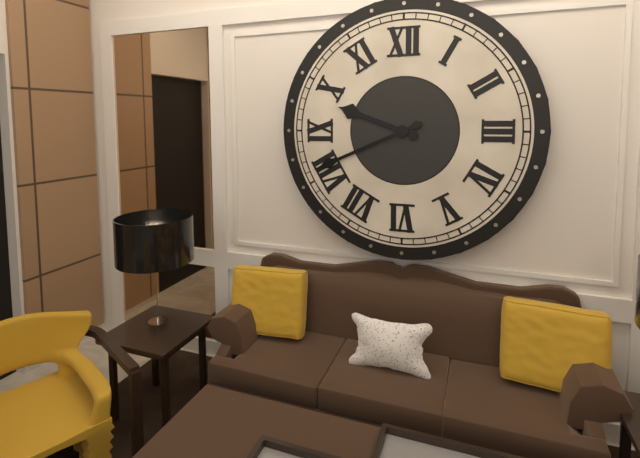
9:41
